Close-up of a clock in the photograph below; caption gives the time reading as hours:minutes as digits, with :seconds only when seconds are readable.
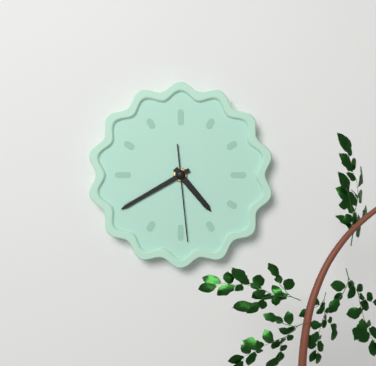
4:40:29
